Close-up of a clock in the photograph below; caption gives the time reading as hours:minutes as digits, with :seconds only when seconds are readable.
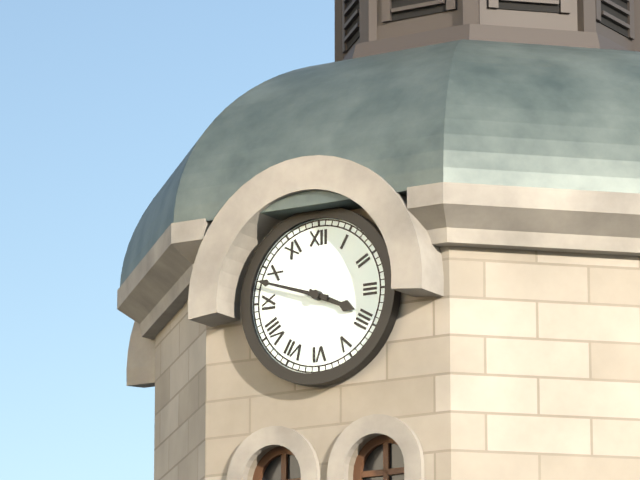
3:48
